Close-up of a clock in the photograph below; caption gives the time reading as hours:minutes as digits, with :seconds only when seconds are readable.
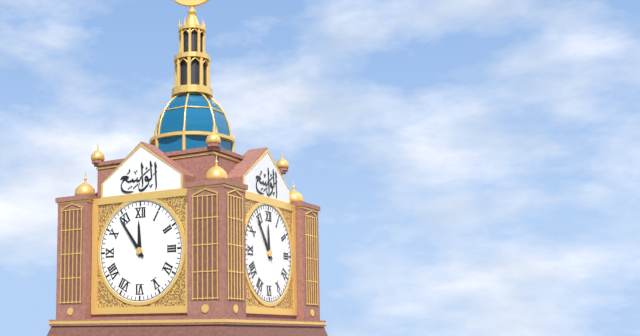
11:54
